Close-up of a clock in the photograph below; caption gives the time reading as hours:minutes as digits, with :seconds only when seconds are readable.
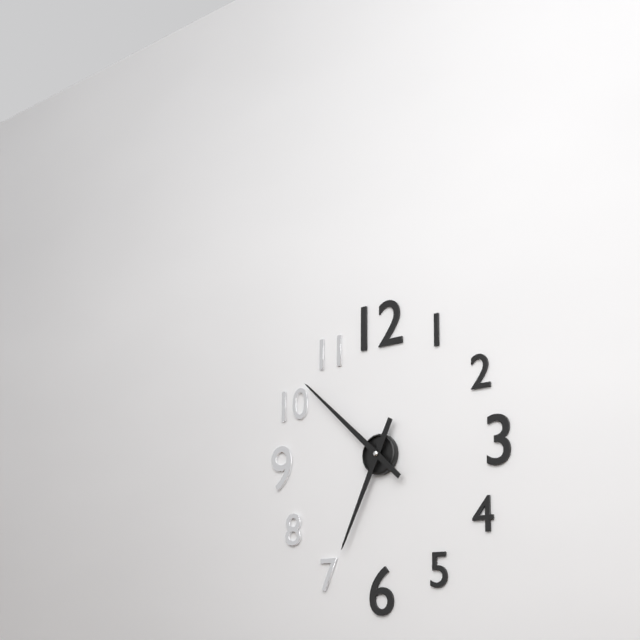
6:52
